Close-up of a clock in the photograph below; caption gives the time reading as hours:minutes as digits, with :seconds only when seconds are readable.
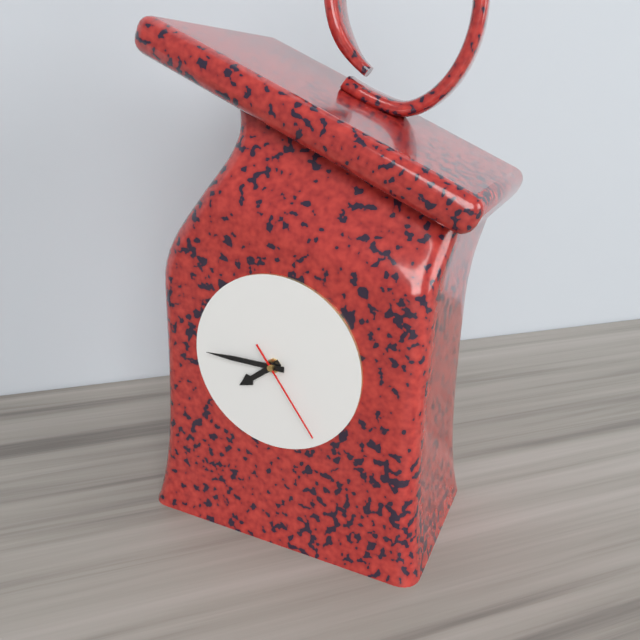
7:45:24
